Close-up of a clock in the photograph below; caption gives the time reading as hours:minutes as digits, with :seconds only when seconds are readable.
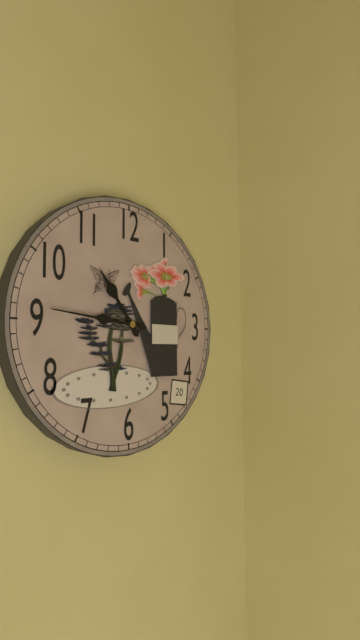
10:46
